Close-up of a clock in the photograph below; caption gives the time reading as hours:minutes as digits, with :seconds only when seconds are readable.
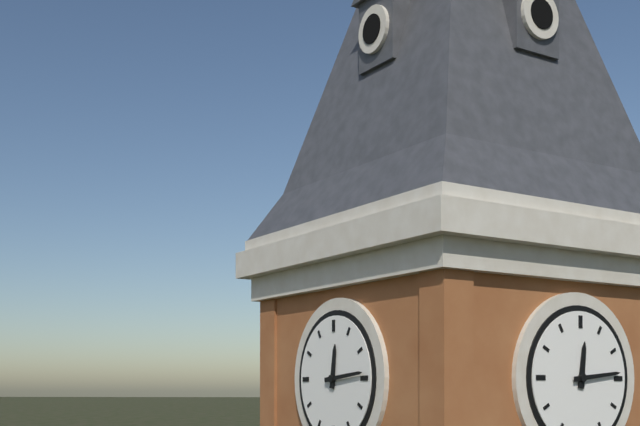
12:14
